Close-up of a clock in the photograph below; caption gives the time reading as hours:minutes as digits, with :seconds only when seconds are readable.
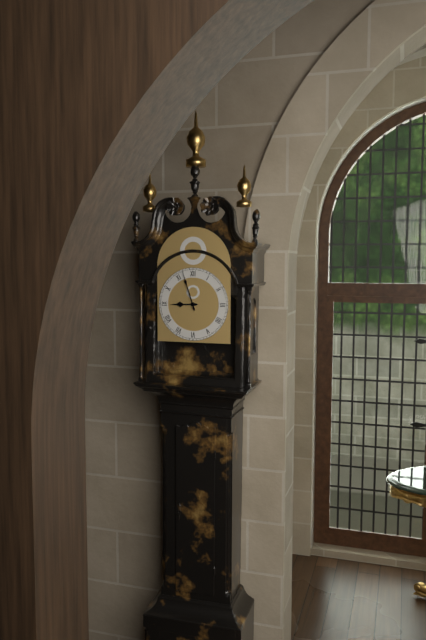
8:57
